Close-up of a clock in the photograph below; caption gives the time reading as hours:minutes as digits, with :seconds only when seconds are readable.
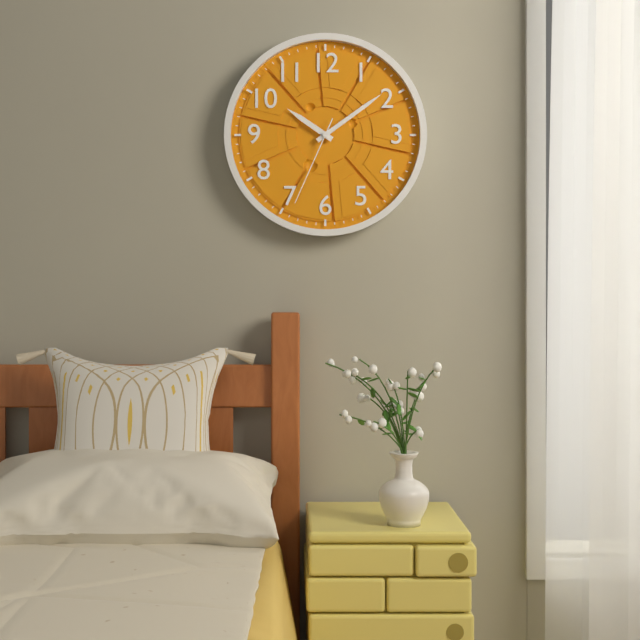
10:09:34
